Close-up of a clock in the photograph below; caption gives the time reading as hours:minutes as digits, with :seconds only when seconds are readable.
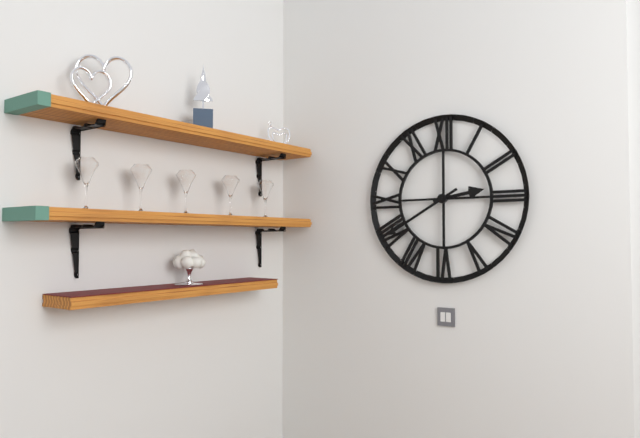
2:40
